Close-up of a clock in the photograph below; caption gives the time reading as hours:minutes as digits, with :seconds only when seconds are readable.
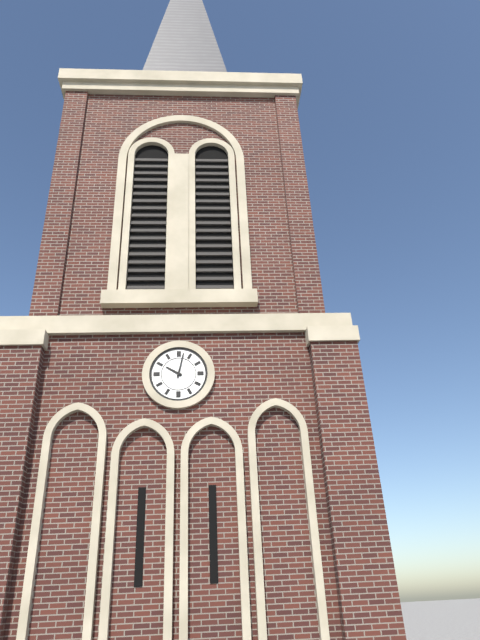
10:02
